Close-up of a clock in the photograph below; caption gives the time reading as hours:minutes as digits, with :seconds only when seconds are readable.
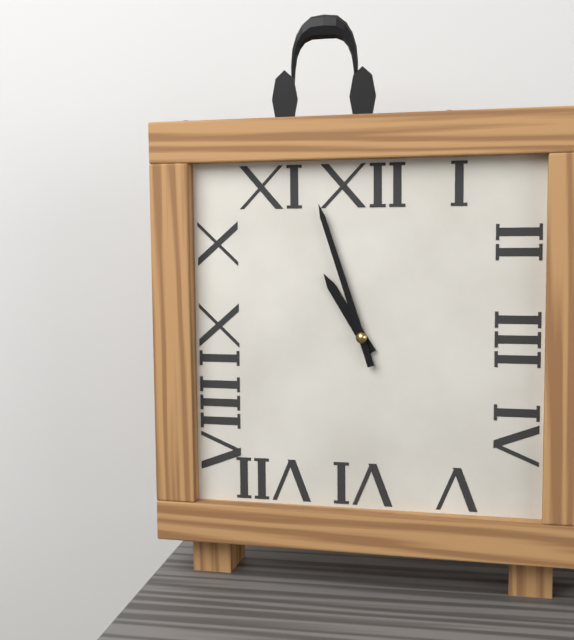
10:57
